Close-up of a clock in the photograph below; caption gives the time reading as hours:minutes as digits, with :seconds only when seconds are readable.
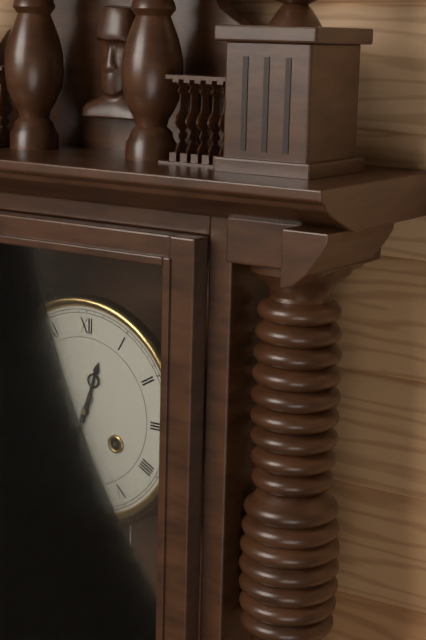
12:34
